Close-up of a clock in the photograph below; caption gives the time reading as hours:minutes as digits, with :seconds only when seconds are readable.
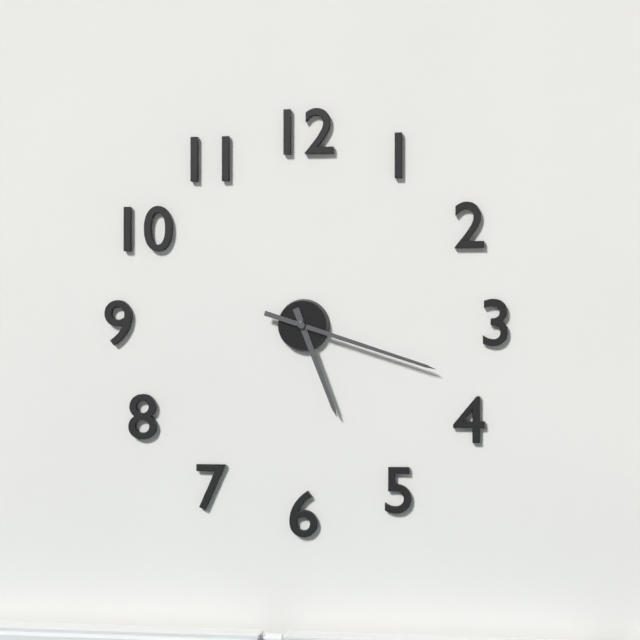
5:18
